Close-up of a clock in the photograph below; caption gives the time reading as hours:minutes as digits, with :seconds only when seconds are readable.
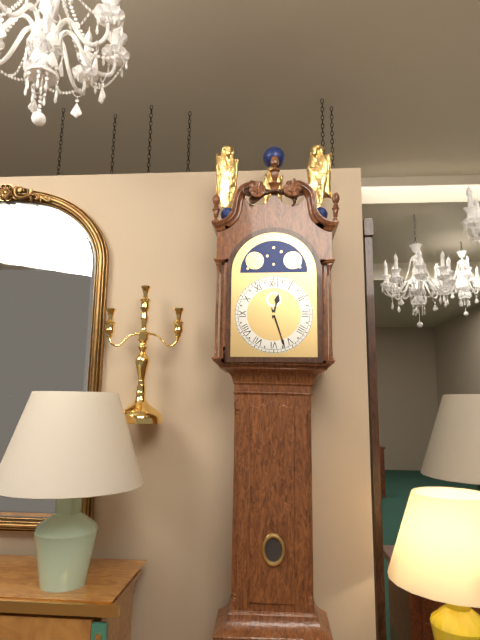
12:27
